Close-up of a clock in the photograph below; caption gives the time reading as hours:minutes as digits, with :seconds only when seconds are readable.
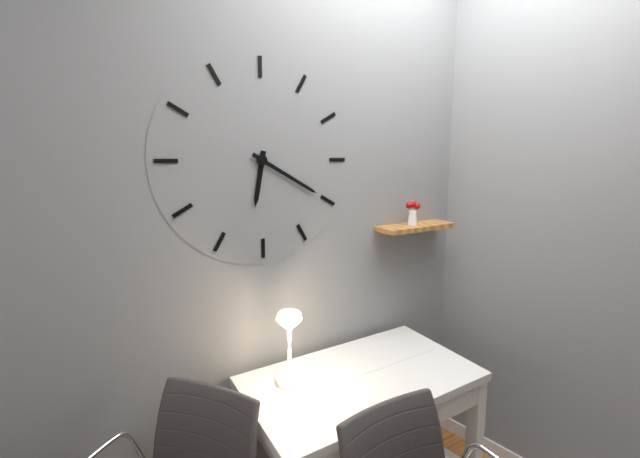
6:20
